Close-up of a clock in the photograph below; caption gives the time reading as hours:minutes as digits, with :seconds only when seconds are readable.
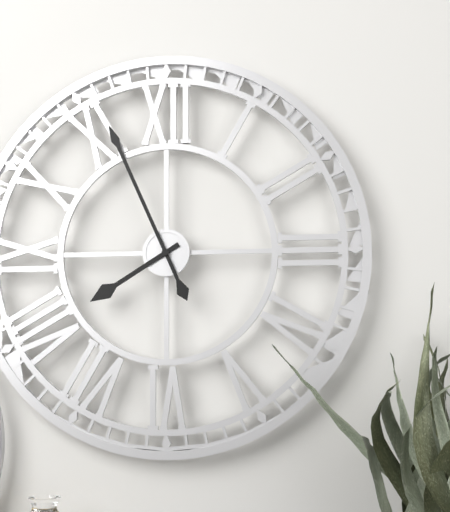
7:56
